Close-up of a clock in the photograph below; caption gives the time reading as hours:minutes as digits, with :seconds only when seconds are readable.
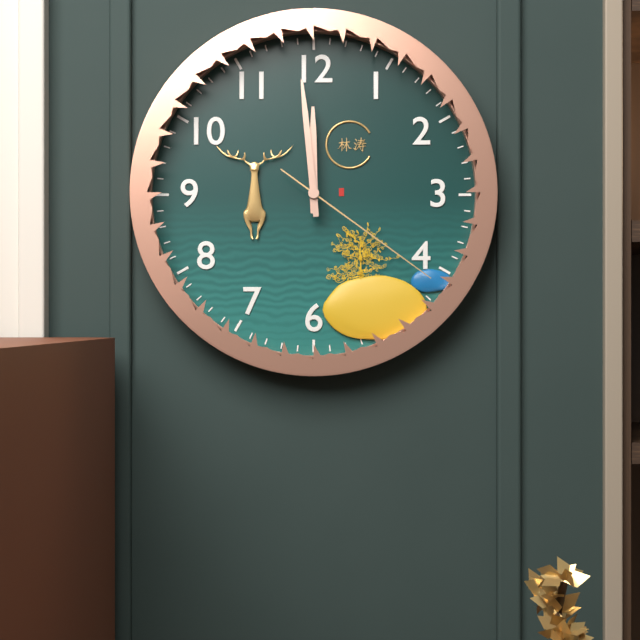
11:59:21
